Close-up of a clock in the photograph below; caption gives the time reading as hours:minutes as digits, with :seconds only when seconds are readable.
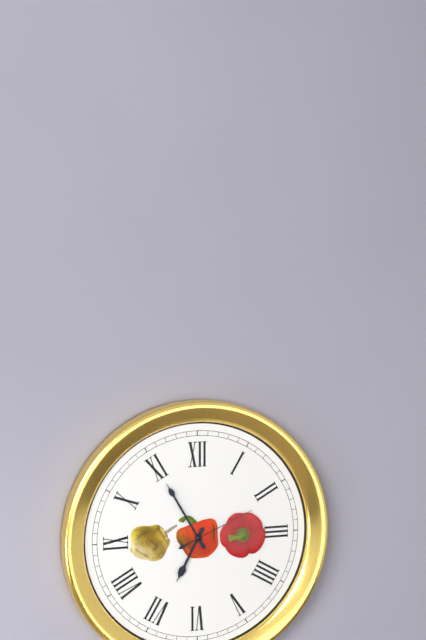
6:55:11
